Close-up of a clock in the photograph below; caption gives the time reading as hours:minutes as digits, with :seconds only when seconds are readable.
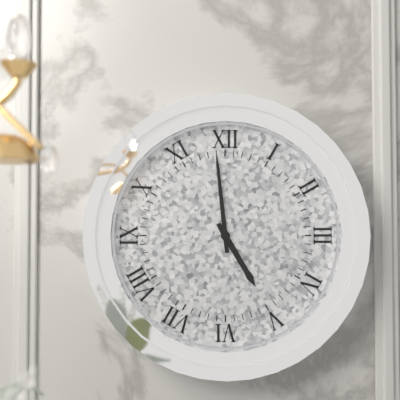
4:59
